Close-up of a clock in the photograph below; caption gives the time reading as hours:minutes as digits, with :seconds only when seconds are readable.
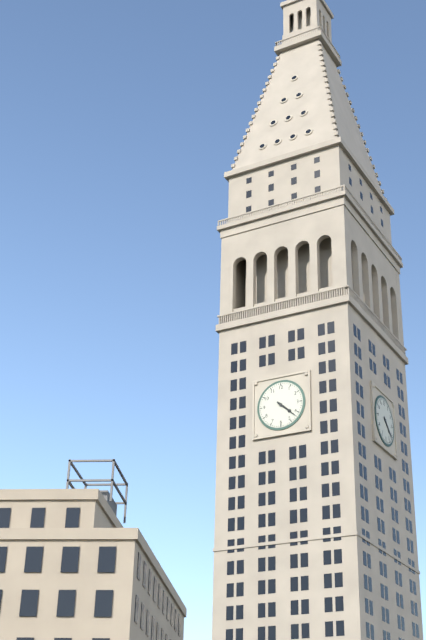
4:22
